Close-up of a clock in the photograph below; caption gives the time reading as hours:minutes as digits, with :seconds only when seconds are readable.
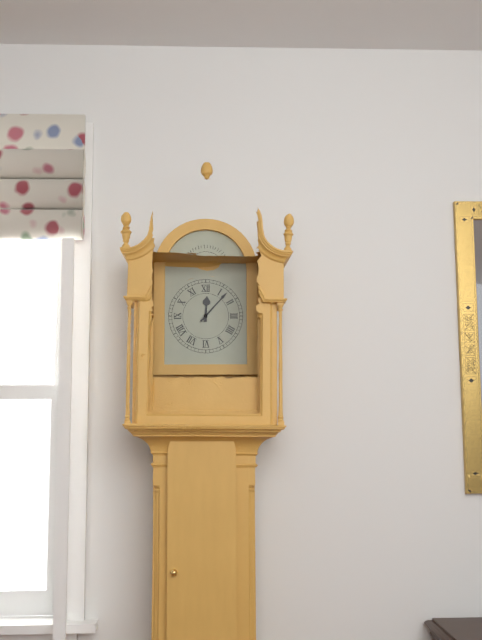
12:07
